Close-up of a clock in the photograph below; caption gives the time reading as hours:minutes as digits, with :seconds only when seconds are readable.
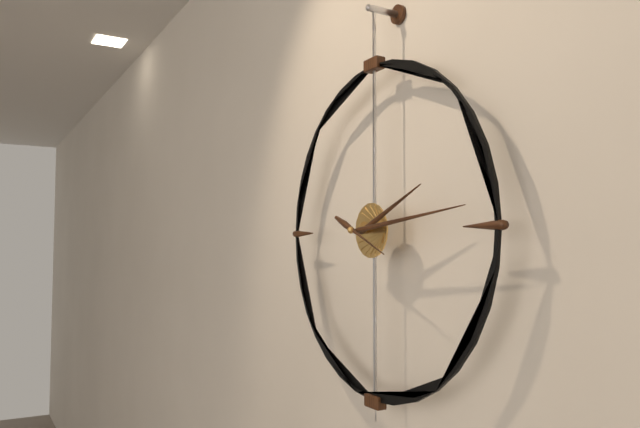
2:14
